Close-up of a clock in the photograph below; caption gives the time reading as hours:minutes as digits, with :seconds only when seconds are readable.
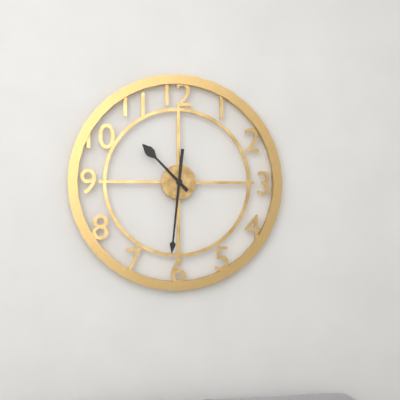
10:31
